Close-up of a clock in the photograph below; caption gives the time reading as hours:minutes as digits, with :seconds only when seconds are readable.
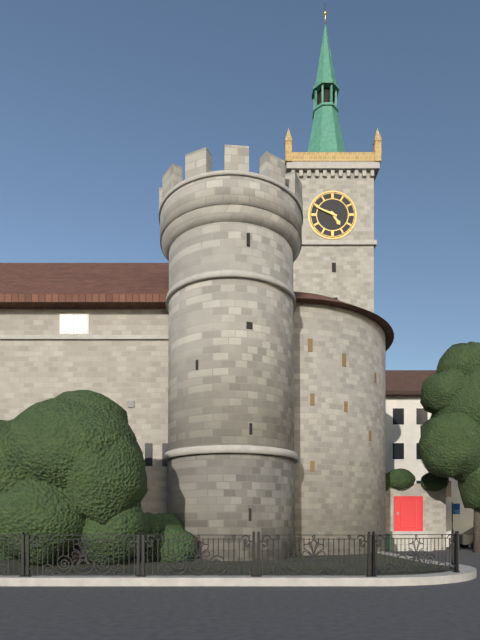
4:49
